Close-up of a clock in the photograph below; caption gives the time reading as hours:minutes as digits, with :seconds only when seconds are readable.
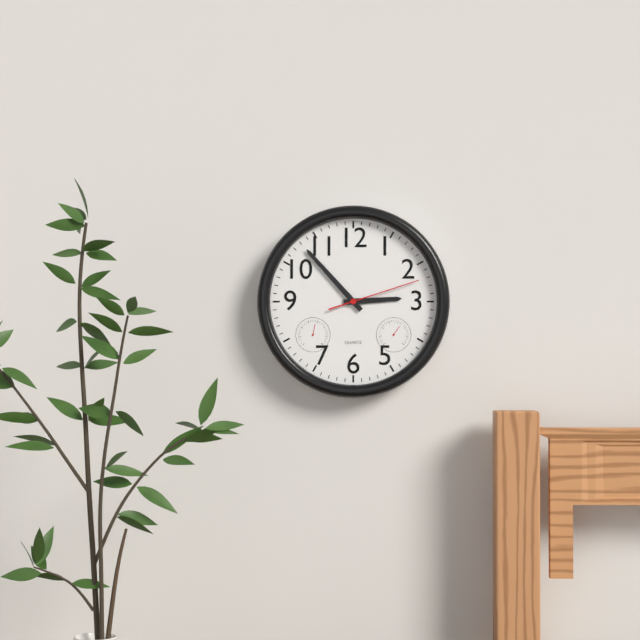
2:53:12
